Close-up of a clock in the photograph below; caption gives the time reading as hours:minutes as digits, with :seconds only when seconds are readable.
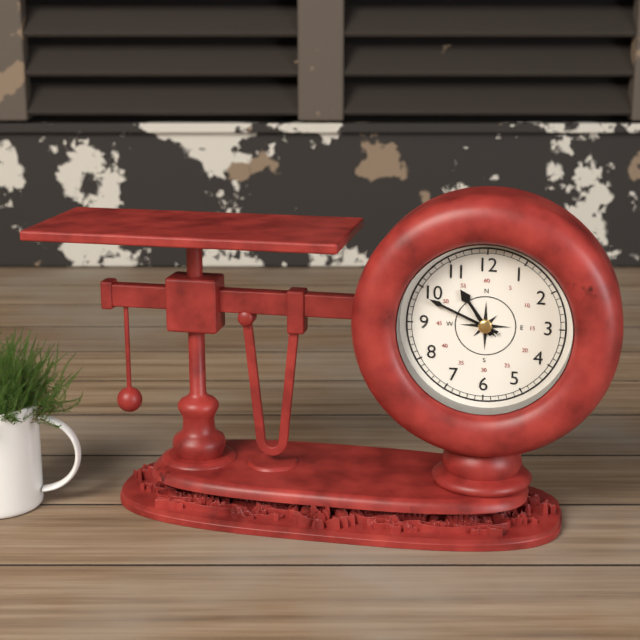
10:49
